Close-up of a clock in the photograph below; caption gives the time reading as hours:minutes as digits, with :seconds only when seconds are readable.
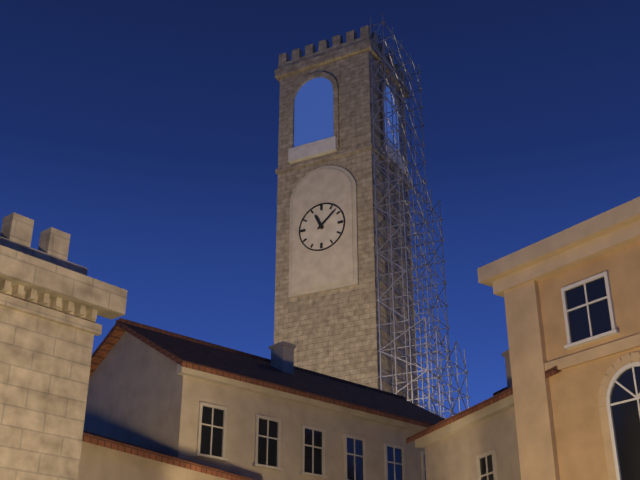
11:08
